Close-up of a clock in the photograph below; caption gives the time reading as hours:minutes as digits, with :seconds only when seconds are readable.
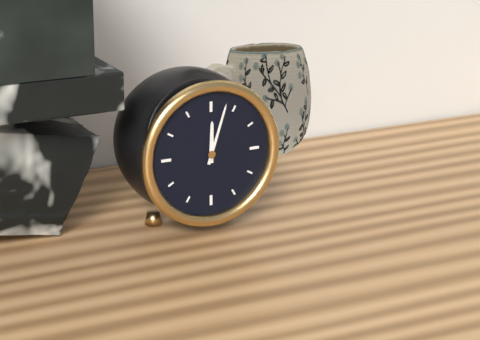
12:03
